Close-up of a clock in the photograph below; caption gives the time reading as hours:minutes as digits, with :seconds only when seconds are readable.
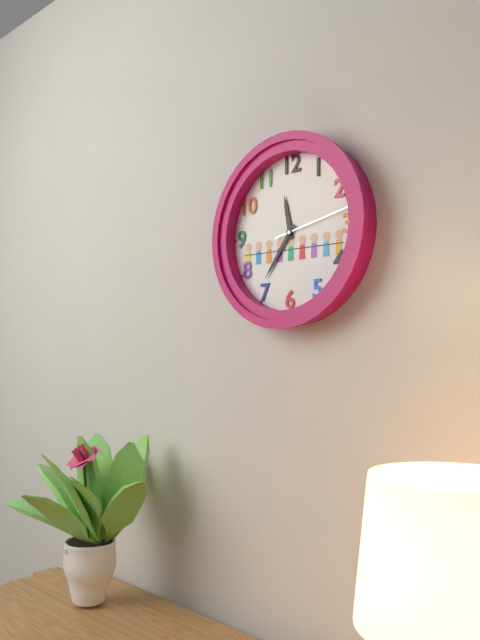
11:36:13
